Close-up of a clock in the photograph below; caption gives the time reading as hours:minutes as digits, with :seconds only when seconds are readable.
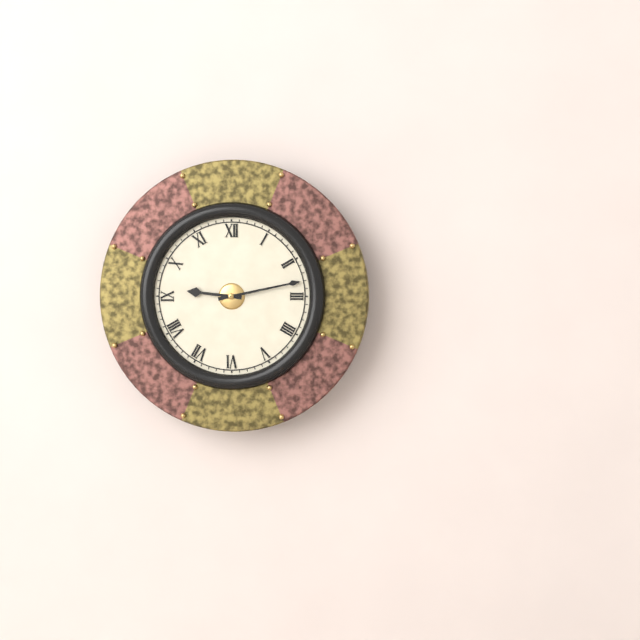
9:13
